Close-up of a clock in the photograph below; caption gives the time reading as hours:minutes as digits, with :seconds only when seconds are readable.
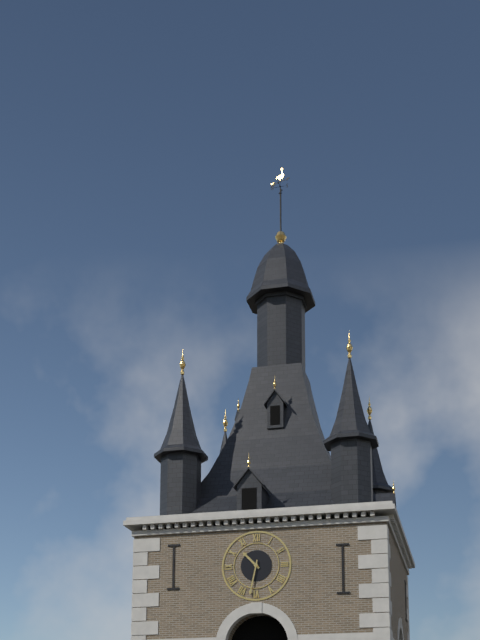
10:32
